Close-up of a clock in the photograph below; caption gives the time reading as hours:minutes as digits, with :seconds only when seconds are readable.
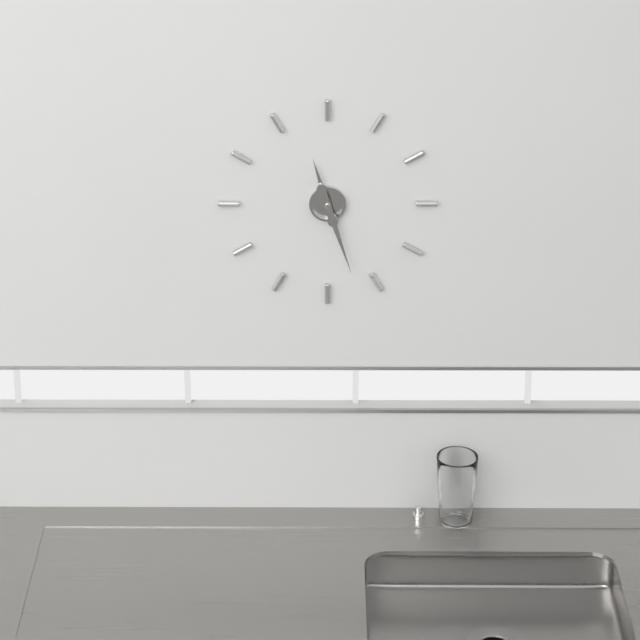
11:27
